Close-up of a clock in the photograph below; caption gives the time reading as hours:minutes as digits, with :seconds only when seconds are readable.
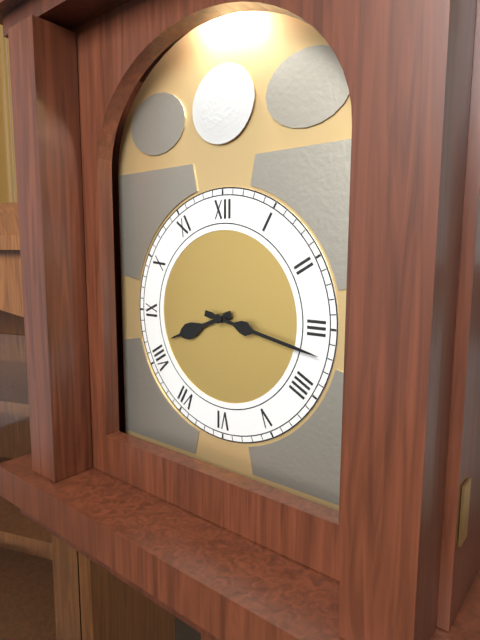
8:17
